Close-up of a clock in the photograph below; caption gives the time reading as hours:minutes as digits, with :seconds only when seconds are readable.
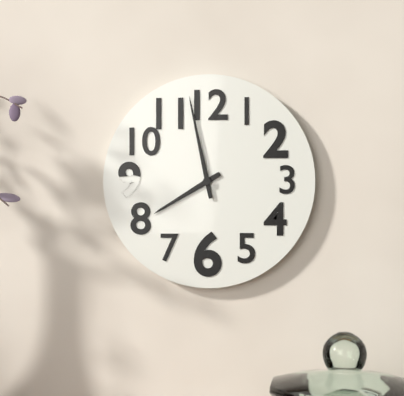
7:58
